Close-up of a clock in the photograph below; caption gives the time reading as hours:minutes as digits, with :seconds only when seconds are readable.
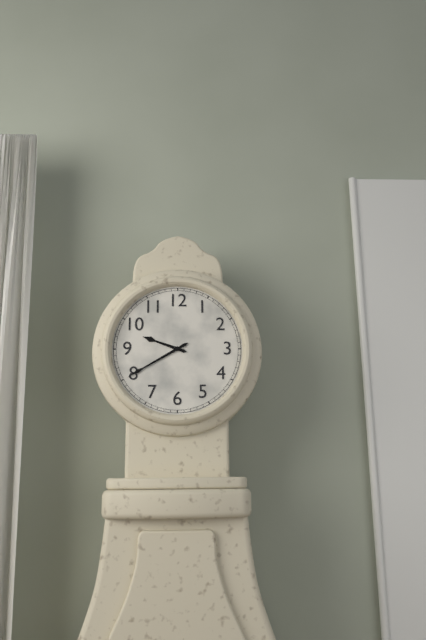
9:40
